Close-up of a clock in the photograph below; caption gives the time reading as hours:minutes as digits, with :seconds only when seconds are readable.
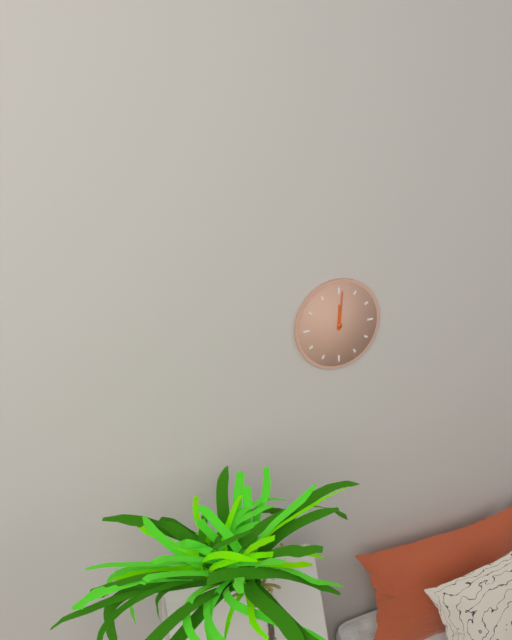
12:01
